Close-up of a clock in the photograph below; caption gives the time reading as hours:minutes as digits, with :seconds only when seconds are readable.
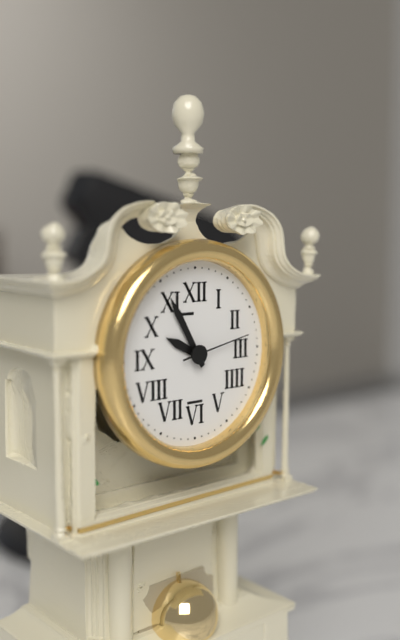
9:55:13
